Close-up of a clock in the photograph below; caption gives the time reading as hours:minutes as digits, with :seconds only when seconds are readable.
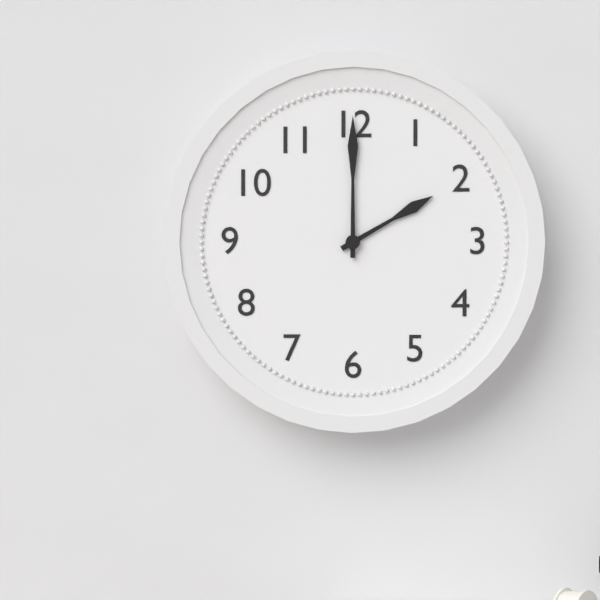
2:00
